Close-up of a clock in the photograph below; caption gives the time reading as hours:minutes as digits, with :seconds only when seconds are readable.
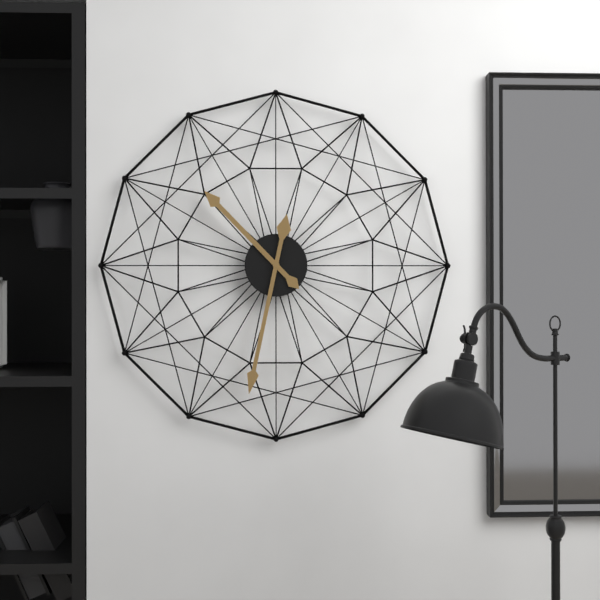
10:32
